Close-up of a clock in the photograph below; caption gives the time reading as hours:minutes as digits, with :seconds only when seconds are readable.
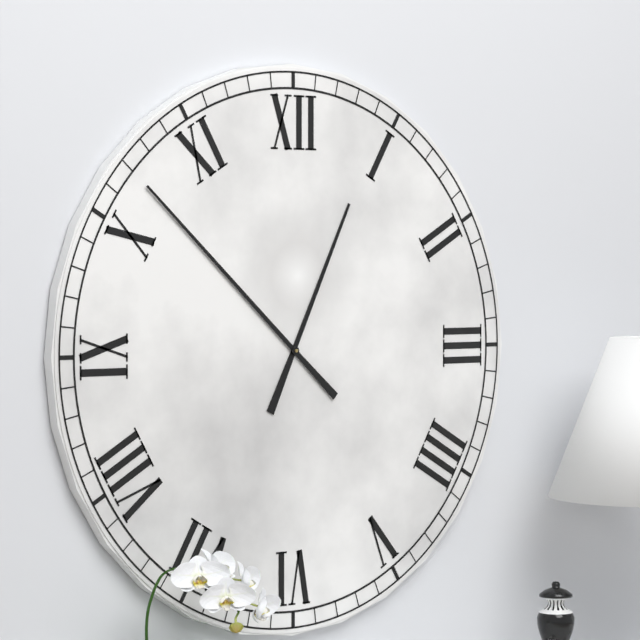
12:52
